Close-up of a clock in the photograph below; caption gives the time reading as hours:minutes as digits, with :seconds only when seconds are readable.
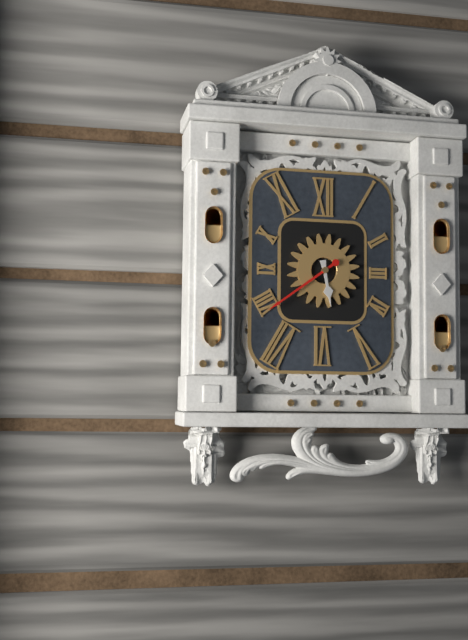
5:39
